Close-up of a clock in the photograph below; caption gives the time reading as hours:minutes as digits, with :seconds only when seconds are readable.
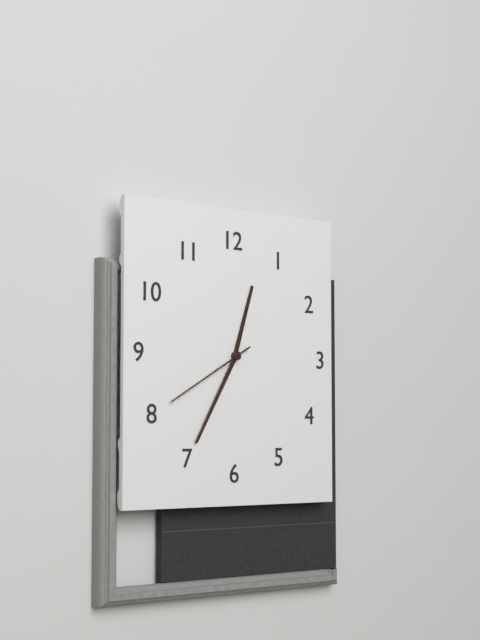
12:35:40
